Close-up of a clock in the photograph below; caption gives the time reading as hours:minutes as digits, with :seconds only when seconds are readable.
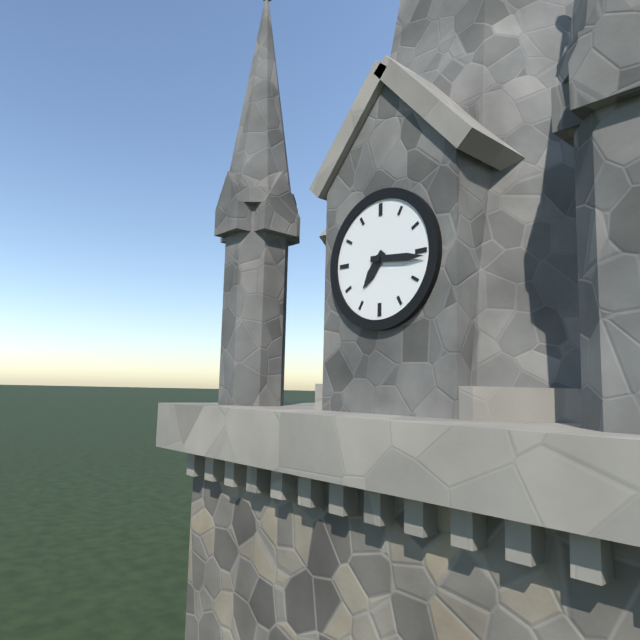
7:16
